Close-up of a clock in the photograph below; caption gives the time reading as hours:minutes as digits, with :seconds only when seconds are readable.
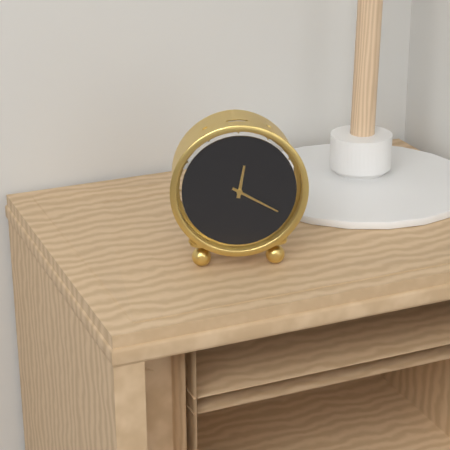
12:20
